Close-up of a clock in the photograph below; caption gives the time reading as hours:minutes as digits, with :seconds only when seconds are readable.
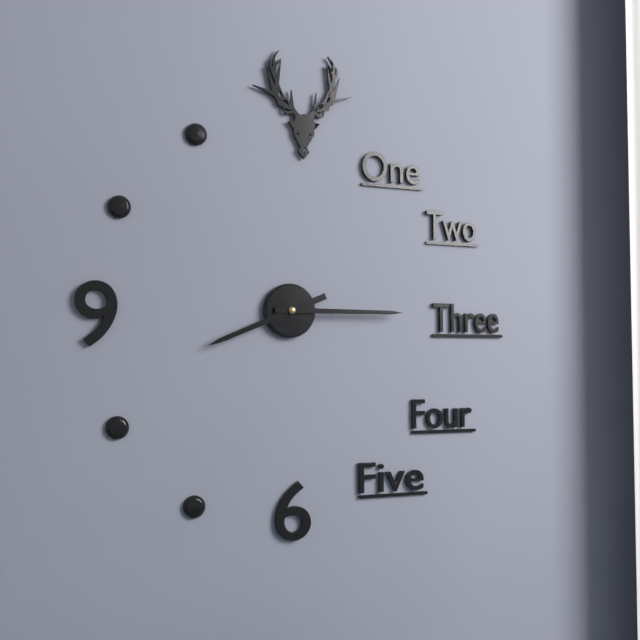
8:15
